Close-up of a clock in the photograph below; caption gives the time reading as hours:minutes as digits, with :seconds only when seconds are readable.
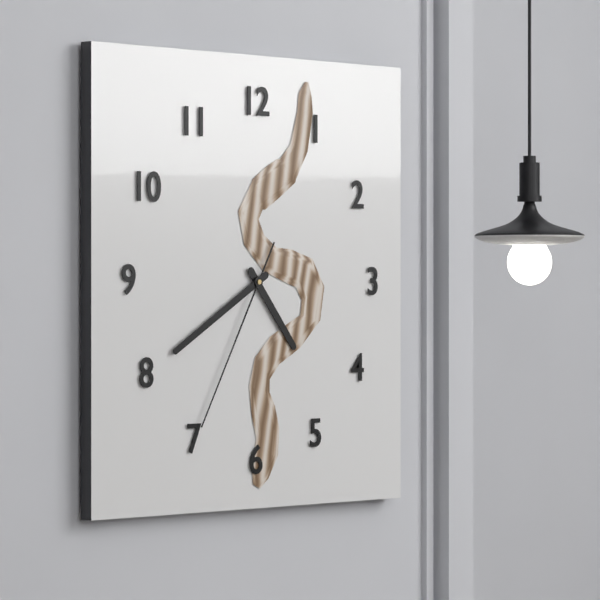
4:40:35
